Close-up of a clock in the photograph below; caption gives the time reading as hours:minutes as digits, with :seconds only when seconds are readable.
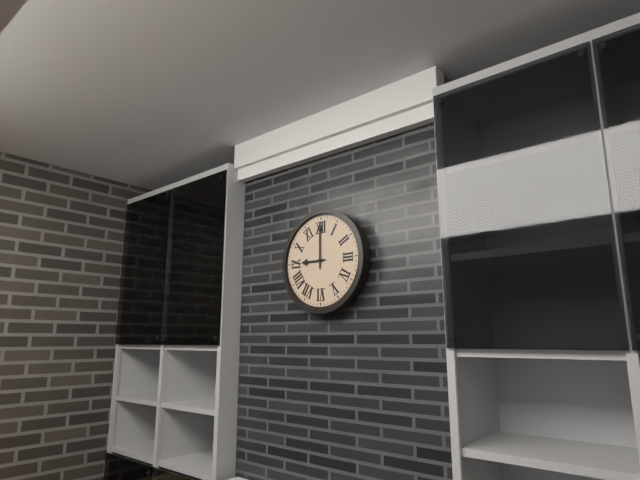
9:00
